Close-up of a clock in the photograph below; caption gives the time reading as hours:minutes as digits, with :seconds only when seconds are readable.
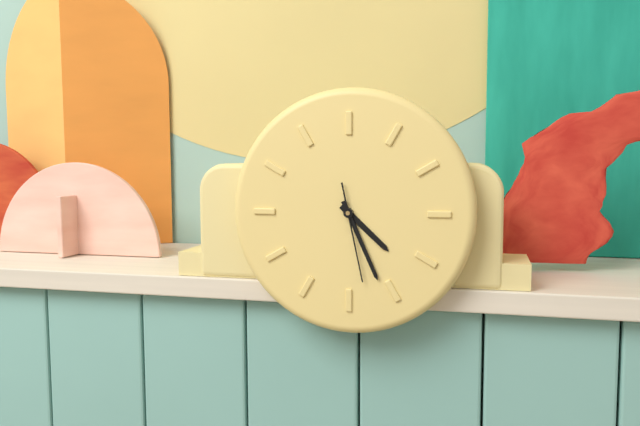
4:26:28
